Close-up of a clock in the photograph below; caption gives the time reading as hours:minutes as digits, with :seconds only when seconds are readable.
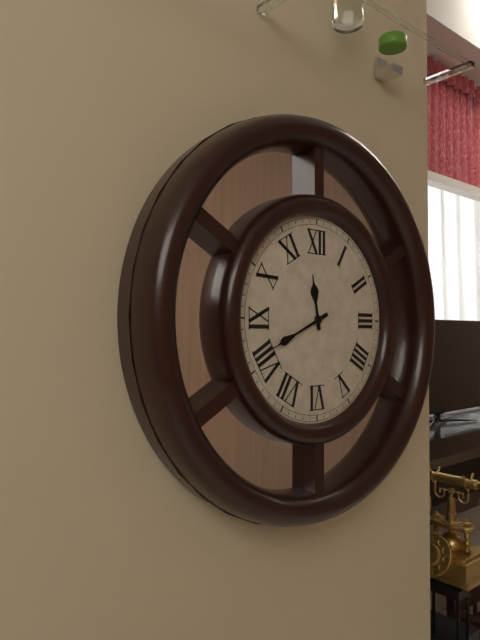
11:41
